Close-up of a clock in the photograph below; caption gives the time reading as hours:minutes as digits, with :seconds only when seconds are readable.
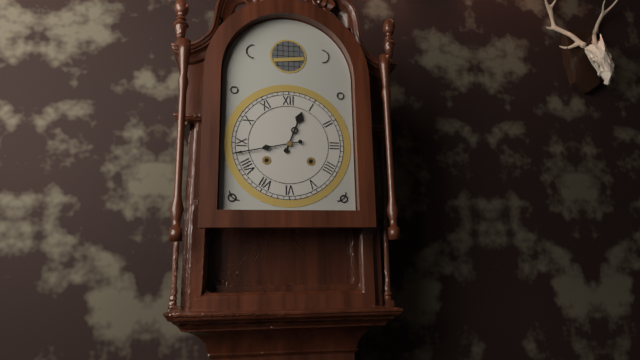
12:43
